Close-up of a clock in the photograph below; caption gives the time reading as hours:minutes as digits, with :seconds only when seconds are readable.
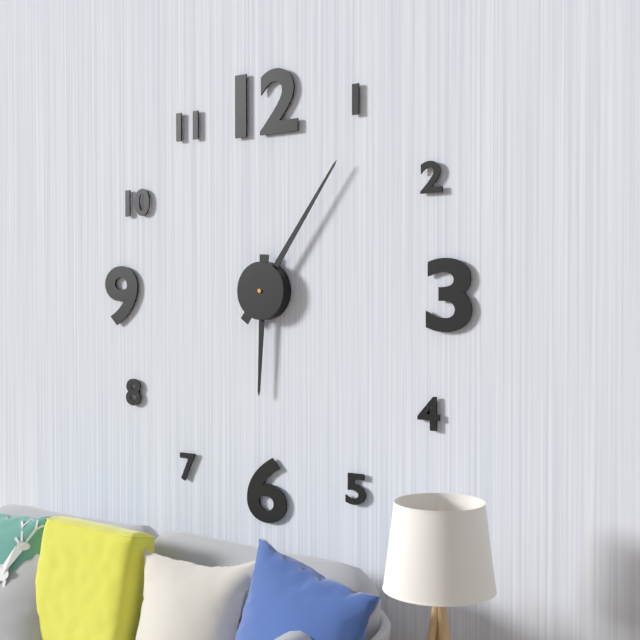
6:06
